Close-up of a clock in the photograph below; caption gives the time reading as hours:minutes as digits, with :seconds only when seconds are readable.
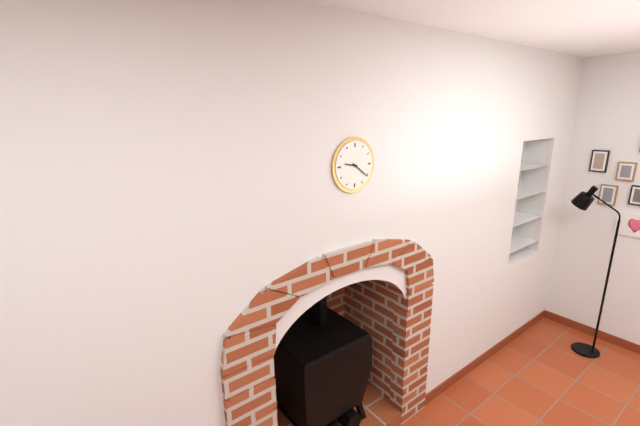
9:21
